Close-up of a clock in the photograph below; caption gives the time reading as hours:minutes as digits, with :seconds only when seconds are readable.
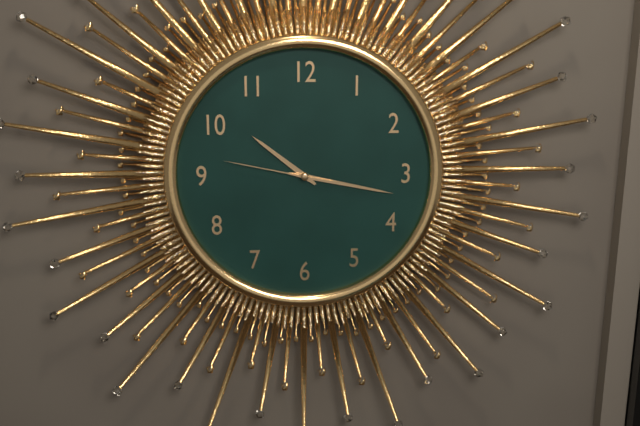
10:17:47
